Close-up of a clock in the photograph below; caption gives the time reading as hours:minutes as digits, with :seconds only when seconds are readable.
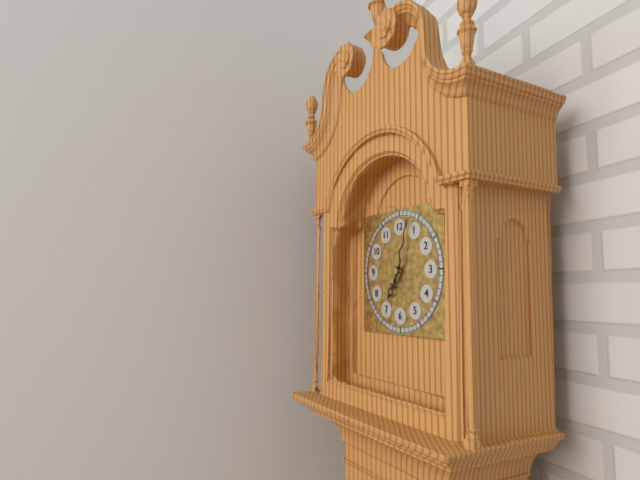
7:03
